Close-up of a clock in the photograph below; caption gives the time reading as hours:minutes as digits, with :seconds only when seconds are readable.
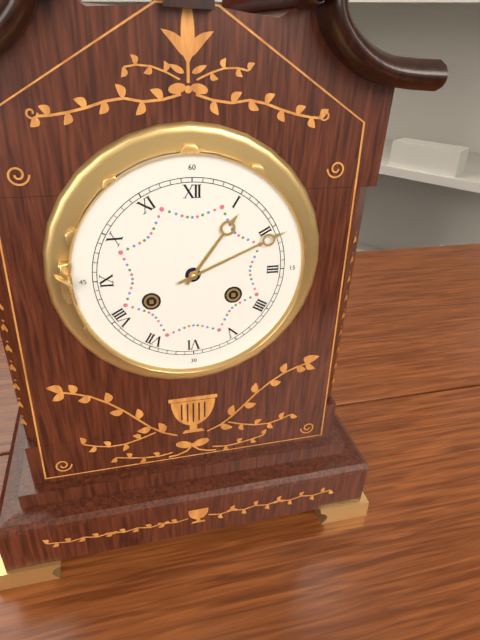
1:11
